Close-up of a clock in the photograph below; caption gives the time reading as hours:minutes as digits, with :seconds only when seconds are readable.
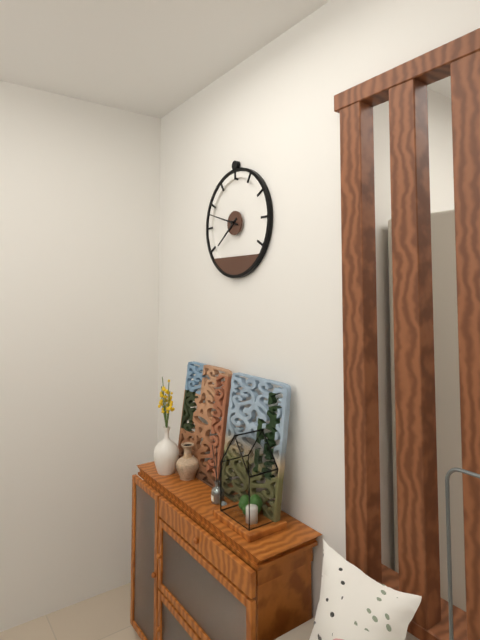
7:48
